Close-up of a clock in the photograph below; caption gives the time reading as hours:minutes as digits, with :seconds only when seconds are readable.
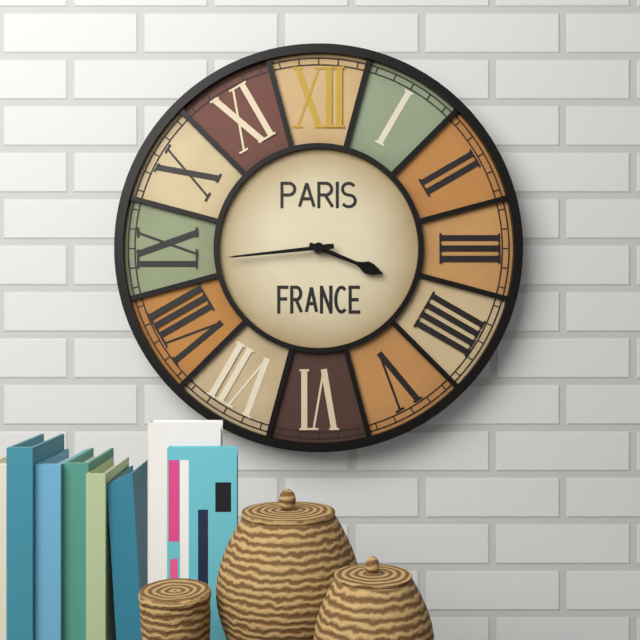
3:44
